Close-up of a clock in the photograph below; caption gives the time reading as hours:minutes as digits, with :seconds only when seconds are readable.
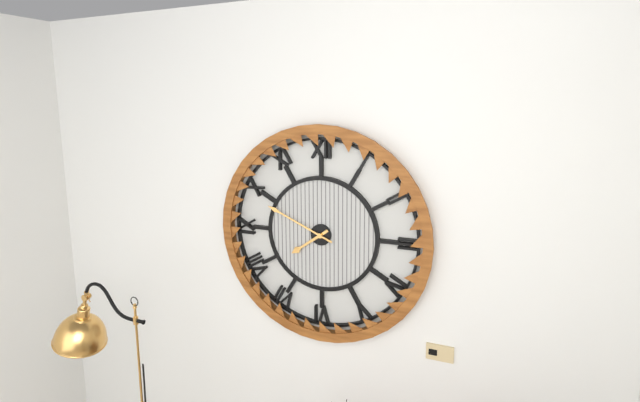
7:49
